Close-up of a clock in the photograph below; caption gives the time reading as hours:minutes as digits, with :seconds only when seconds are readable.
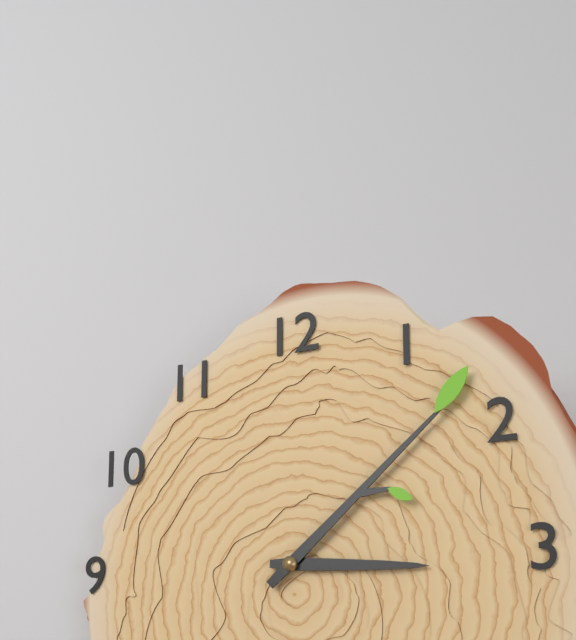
3:08
